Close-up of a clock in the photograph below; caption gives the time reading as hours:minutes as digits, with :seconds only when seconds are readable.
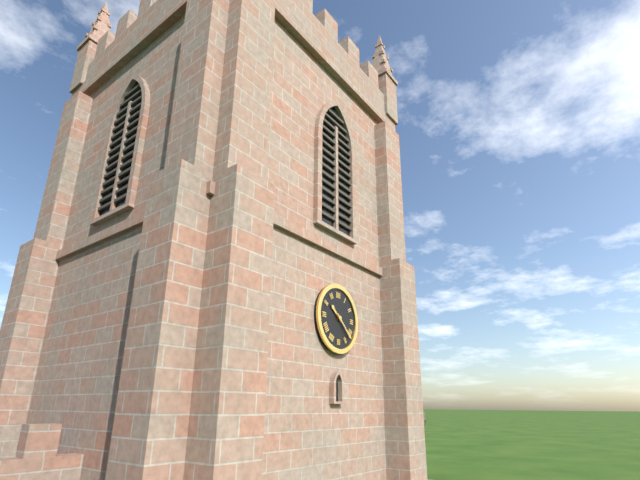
10:22
